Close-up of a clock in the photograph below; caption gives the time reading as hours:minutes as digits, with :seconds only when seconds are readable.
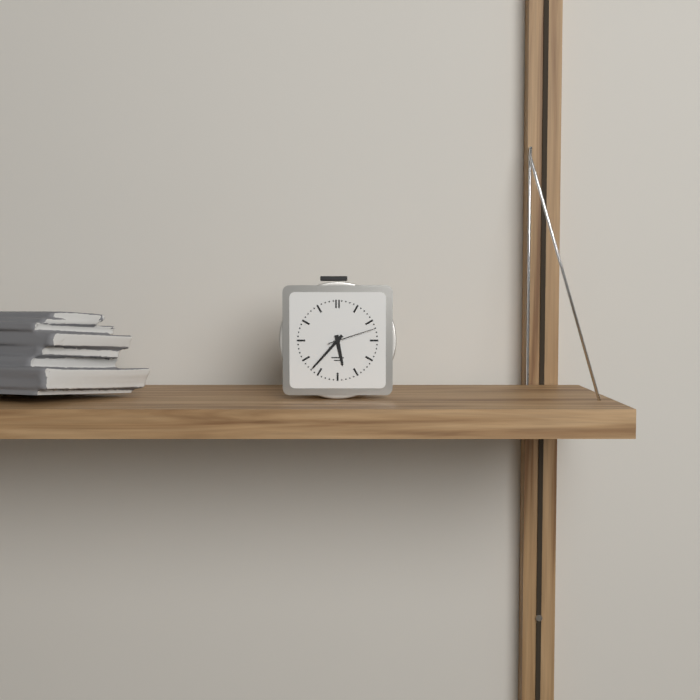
5:37:12
